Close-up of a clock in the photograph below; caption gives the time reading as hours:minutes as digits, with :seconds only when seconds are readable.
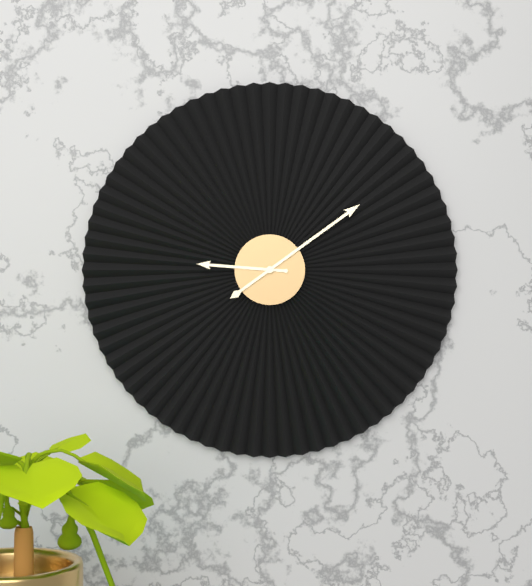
9:09
